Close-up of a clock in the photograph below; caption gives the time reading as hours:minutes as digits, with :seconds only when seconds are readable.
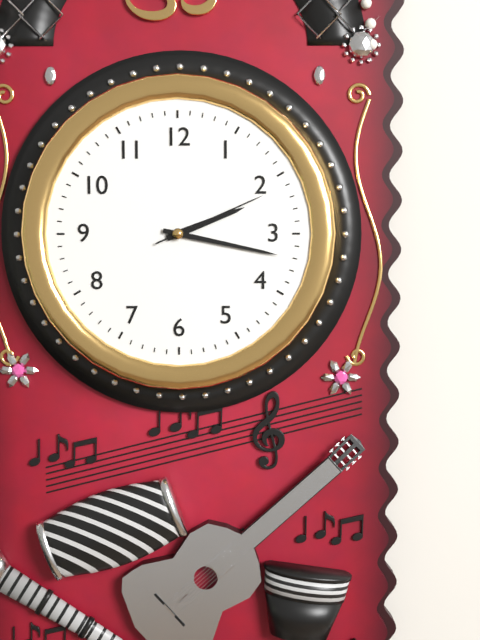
2:17:11
